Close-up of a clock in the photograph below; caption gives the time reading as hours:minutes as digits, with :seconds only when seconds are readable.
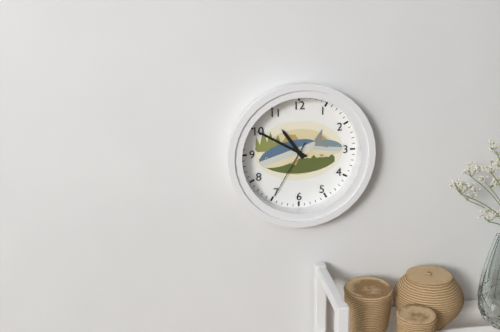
10:50:35
